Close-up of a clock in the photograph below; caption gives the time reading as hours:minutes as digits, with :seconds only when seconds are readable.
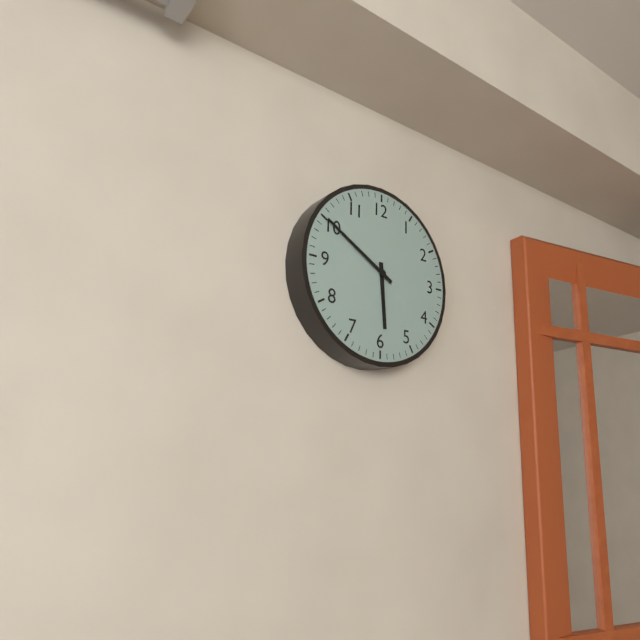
5:50
